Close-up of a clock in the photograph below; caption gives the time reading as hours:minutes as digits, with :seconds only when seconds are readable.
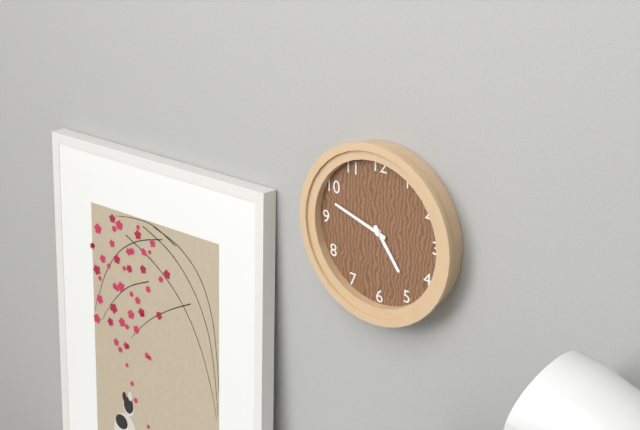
4:48
